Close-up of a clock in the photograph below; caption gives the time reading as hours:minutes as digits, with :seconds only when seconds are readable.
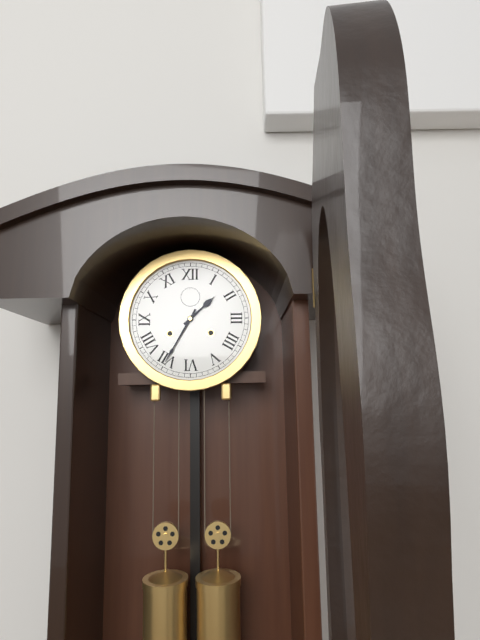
1:35
